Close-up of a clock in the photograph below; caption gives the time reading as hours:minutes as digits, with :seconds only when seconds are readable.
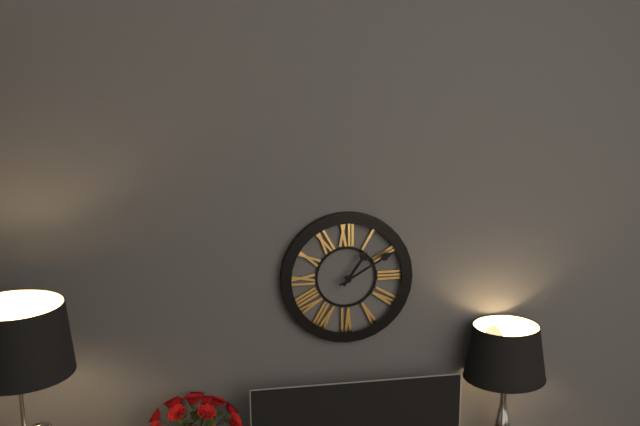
1:10
